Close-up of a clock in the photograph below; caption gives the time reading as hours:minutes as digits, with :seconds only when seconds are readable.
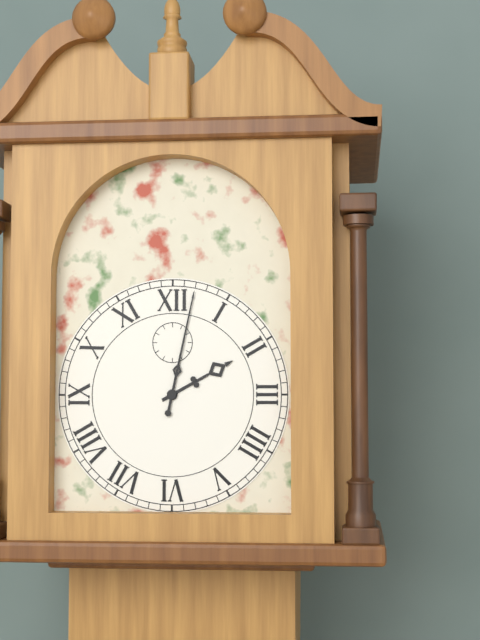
2:02
